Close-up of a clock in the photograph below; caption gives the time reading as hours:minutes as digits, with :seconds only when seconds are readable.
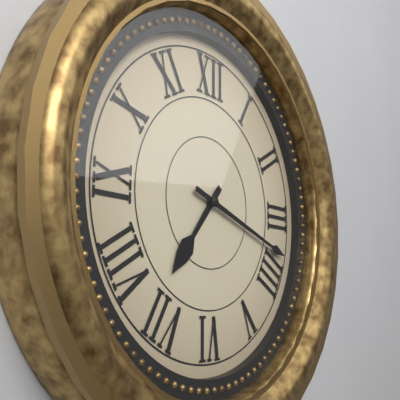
7:18
